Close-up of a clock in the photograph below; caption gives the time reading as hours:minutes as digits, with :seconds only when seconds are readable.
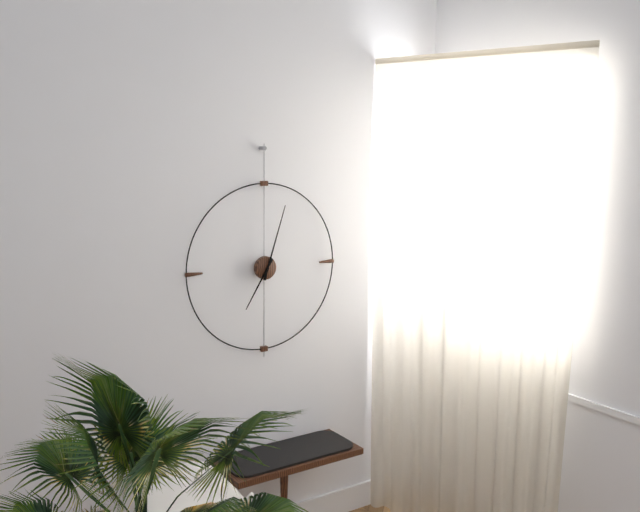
7:03
